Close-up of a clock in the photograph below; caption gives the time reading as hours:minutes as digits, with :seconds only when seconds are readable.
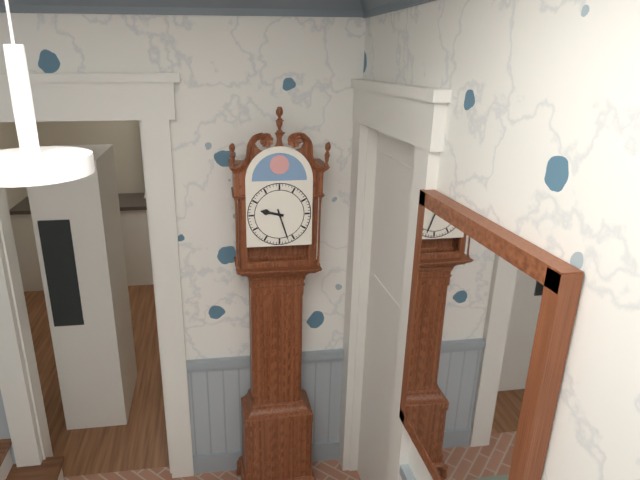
9:27
